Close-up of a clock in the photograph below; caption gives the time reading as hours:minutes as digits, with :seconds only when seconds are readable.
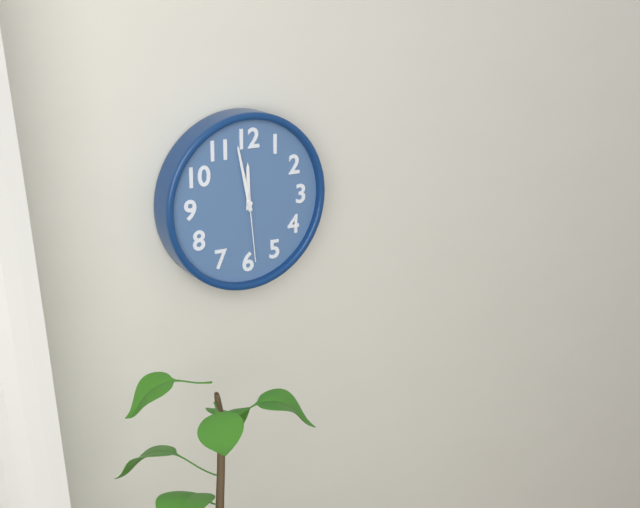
11:58:29
